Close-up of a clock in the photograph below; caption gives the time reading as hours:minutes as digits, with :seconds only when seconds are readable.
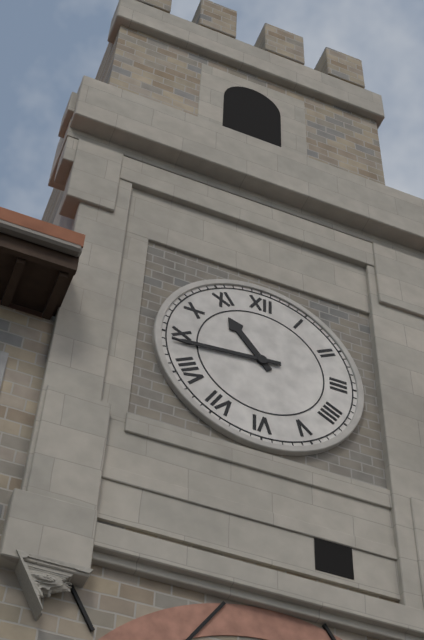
10:44
